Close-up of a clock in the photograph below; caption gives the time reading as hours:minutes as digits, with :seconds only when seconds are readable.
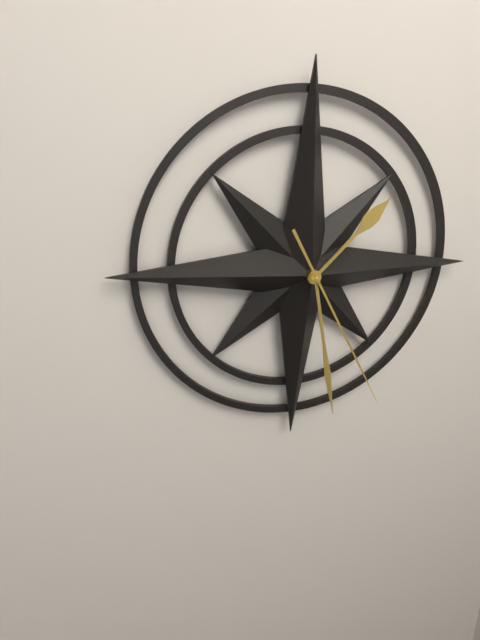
1:28:25
